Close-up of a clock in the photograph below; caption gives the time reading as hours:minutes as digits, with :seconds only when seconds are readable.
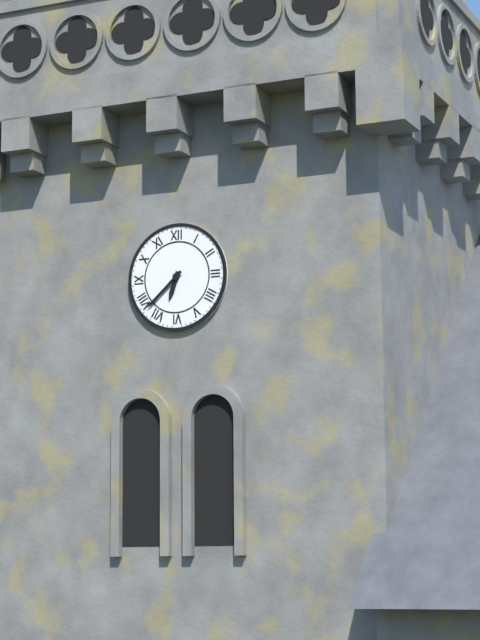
6:38
